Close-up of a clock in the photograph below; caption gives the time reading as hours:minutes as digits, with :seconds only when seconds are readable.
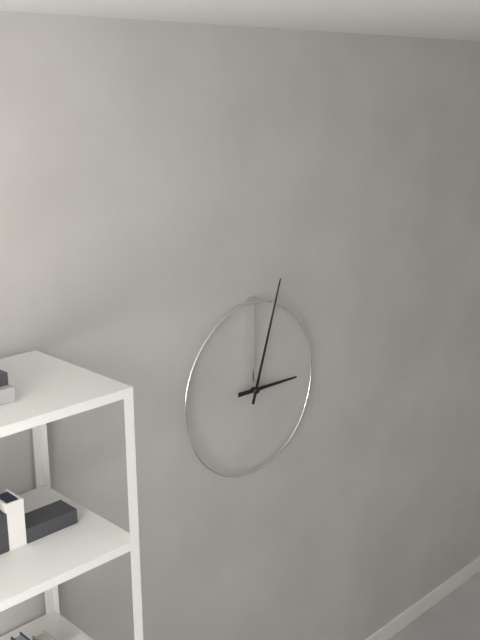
3:03
